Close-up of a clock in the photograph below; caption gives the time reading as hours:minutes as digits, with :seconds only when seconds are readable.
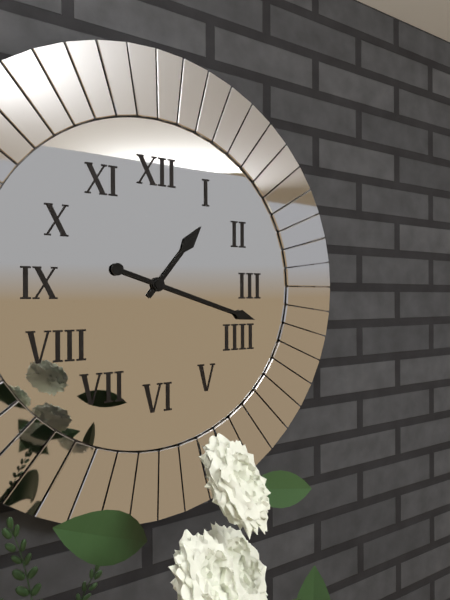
1:18
